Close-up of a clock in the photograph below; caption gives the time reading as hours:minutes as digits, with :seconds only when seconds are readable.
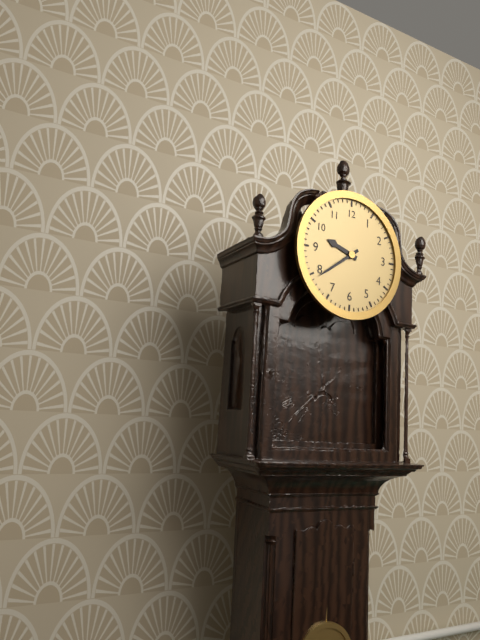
9:39
